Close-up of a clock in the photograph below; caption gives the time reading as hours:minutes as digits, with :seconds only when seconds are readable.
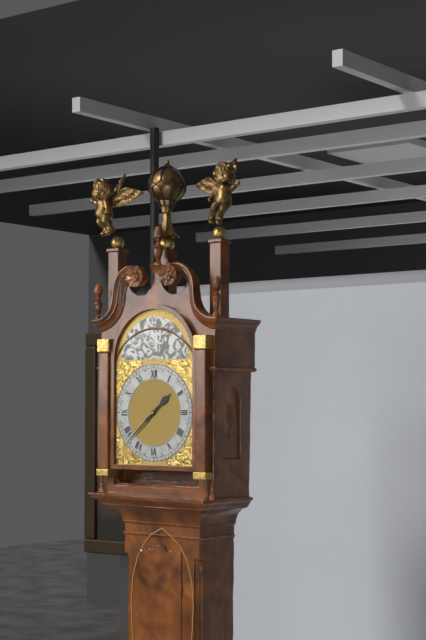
1:38
